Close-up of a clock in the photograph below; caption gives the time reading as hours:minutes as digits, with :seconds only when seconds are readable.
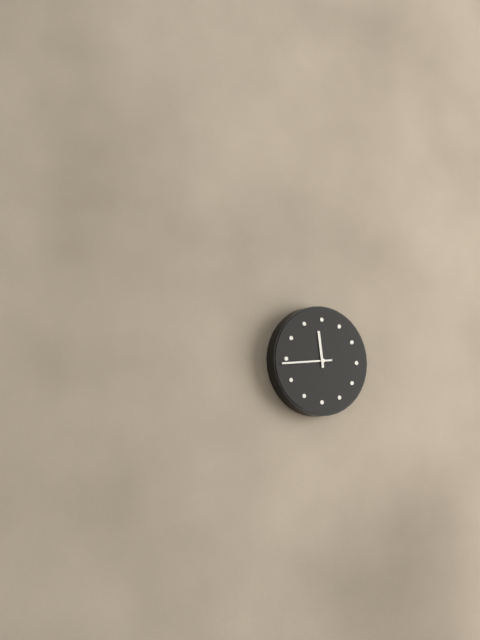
11:44
